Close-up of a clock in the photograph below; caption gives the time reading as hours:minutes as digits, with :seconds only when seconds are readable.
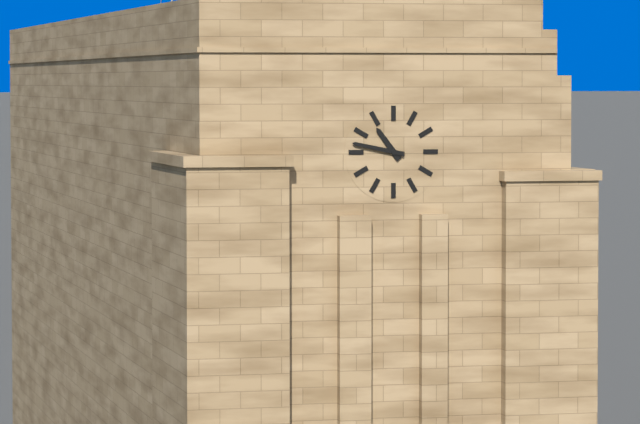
10:47
